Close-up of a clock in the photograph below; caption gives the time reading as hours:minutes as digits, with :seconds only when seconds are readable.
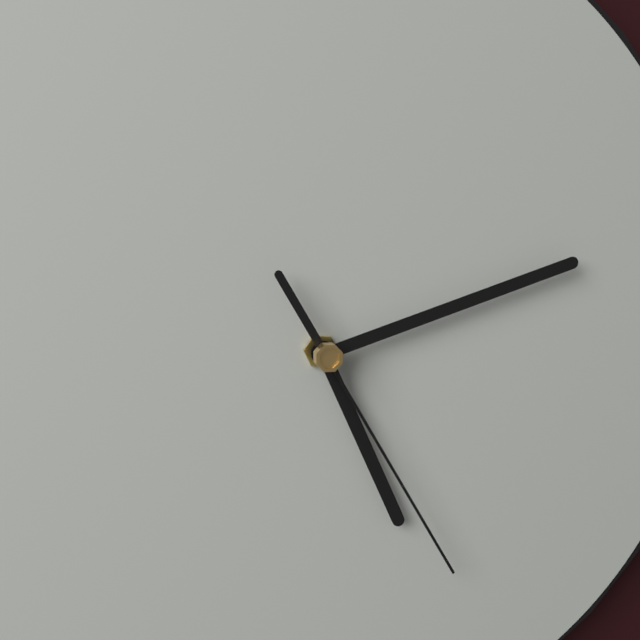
5:12:25
